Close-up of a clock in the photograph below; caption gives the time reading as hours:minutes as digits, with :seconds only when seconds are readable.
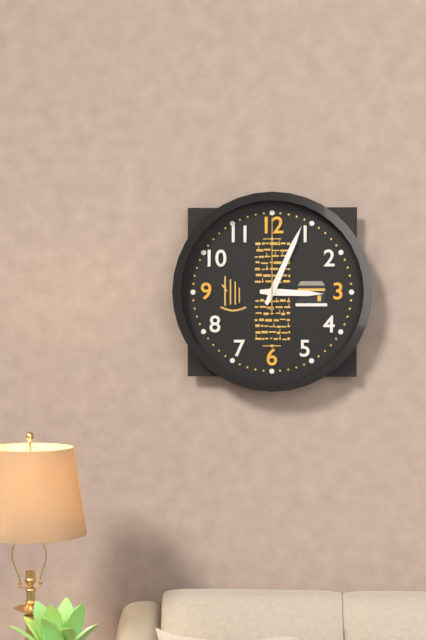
3:04:00
